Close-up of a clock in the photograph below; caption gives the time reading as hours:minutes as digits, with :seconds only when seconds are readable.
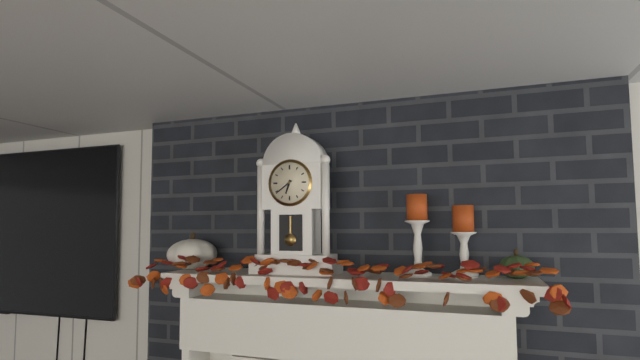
6:39
